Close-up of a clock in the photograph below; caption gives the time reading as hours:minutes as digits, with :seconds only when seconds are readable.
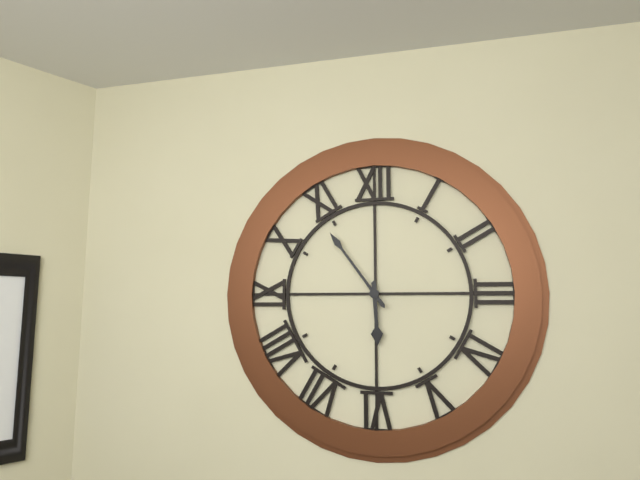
5:54
